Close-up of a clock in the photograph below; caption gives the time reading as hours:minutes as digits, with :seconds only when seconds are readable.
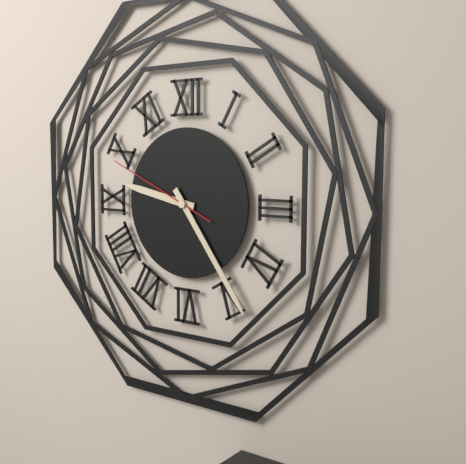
9:24:49
